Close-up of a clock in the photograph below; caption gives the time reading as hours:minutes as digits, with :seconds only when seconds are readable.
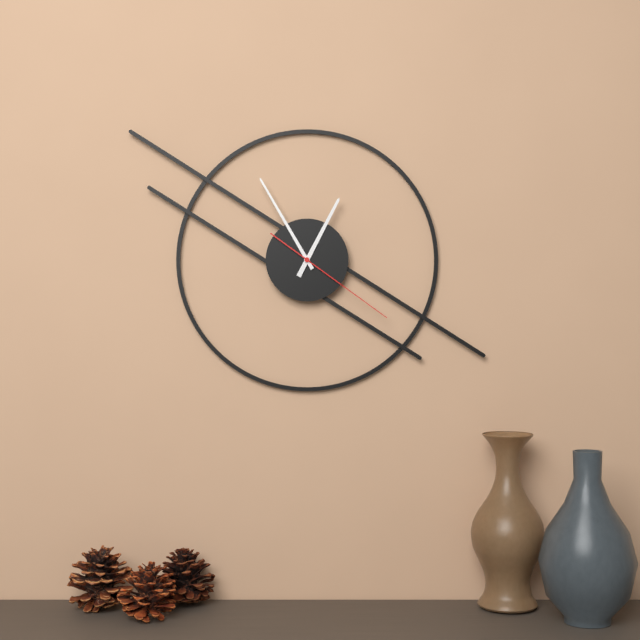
12:55:21
